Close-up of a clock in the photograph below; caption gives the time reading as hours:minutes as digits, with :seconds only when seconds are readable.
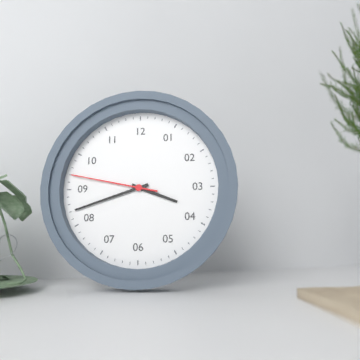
3:42:47
